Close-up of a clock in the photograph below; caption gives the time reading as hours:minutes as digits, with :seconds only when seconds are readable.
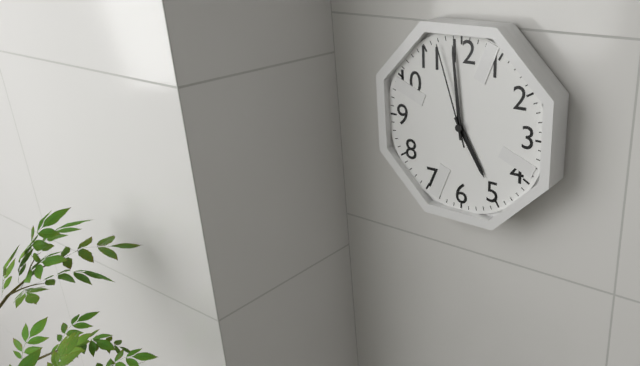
4:59:57
